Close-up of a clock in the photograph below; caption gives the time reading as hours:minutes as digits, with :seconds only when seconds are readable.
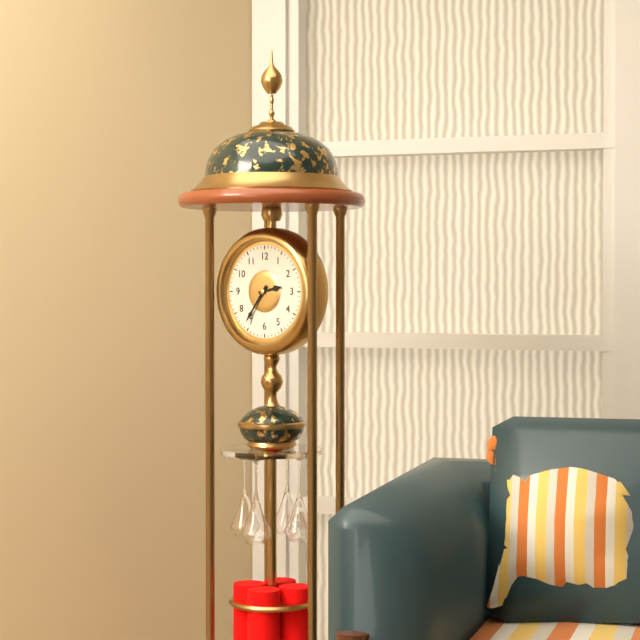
2:36
